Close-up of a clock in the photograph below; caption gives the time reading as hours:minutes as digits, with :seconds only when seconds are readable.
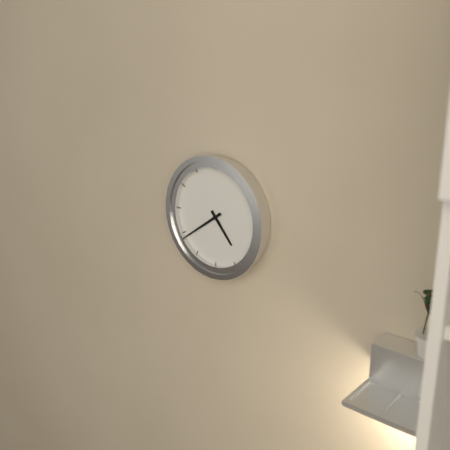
4:39
